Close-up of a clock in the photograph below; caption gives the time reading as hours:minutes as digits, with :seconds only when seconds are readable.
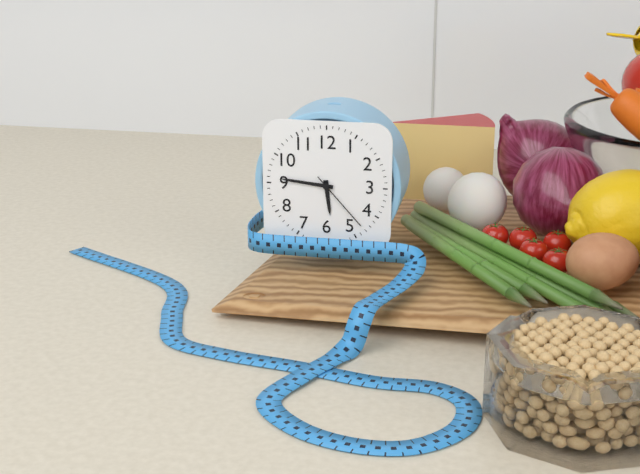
5:46:23
